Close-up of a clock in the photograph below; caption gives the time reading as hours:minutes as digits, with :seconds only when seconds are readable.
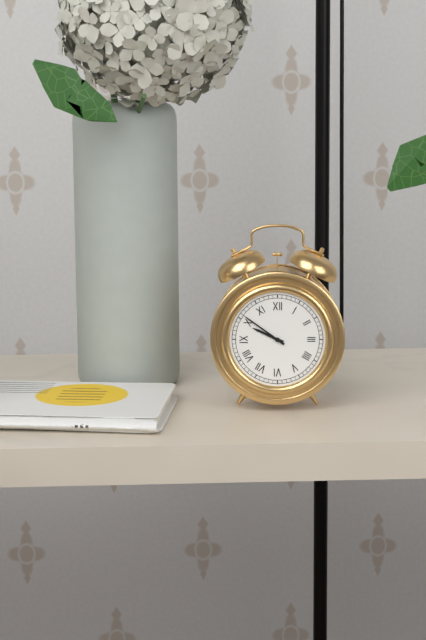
9:51
